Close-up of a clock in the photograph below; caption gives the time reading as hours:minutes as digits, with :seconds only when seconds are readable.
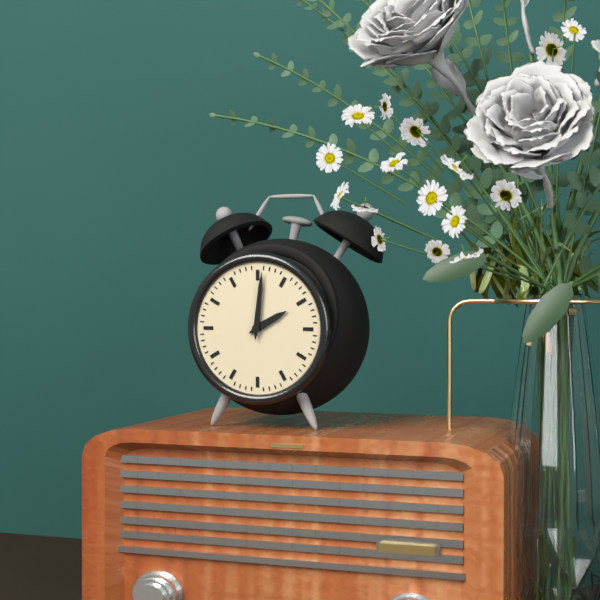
2:01
